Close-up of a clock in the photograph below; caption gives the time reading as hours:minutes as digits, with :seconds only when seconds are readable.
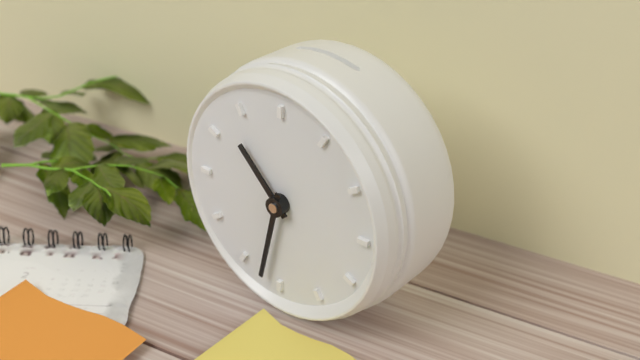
10:32
